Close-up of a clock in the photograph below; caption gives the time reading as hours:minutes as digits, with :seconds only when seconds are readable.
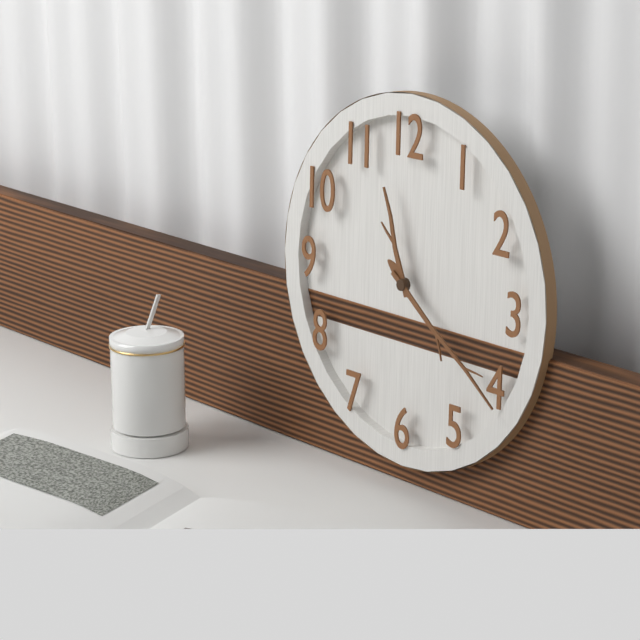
11:21
